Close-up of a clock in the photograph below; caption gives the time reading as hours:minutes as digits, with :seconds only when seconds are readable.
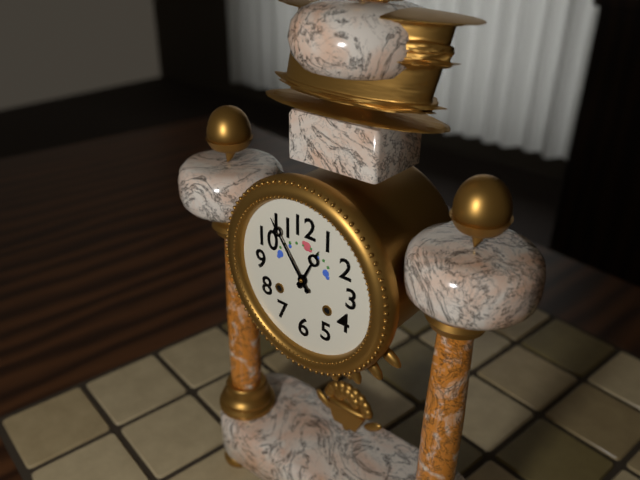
12:54
